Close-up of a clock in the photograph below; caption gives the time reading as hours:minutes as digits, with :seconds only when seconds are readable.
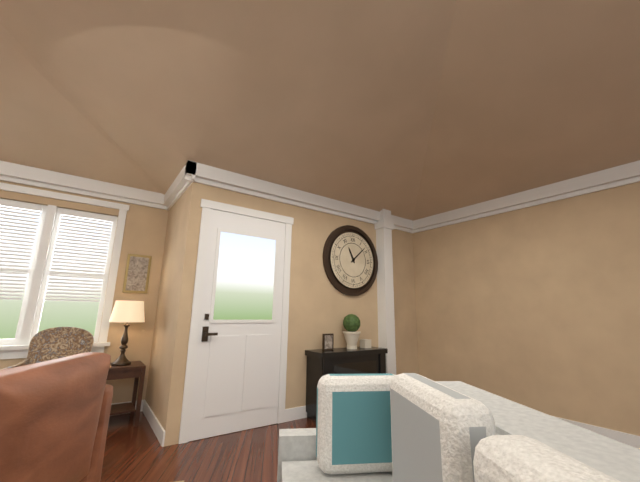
11:08
